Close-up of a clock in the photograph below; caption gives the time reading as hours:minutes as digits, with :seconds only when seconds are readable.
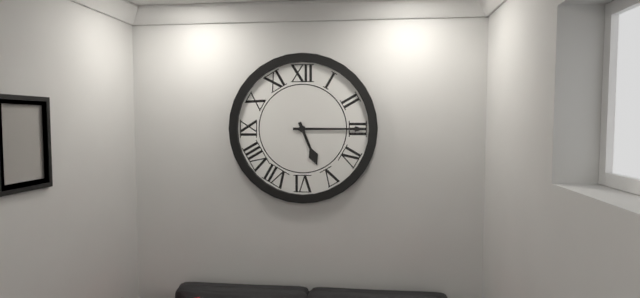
5:15
